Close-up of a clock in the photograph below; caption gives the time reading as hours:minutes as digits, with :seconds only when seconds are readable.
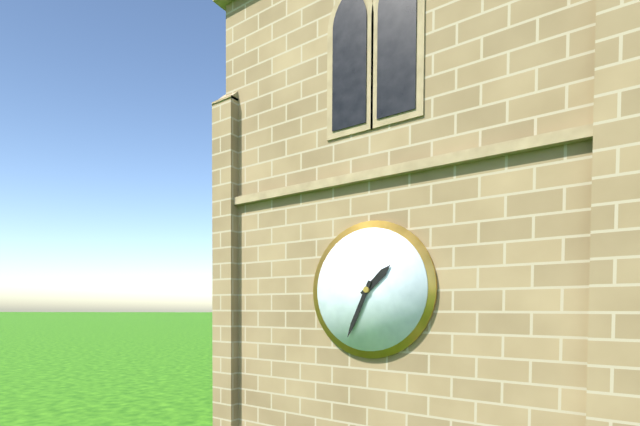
1:34
